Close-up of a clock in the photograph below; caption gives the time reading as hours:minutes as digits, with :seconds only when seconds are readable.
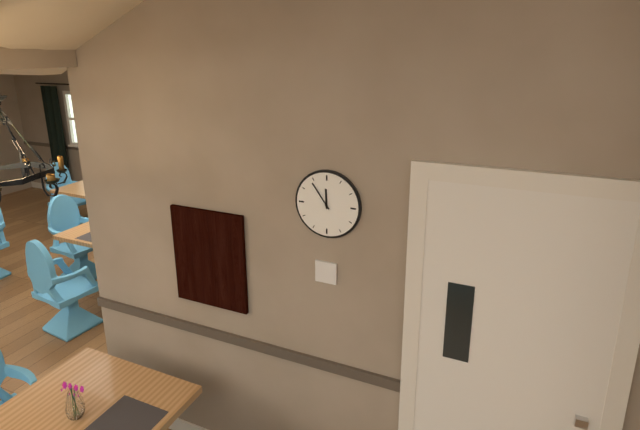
11:54
